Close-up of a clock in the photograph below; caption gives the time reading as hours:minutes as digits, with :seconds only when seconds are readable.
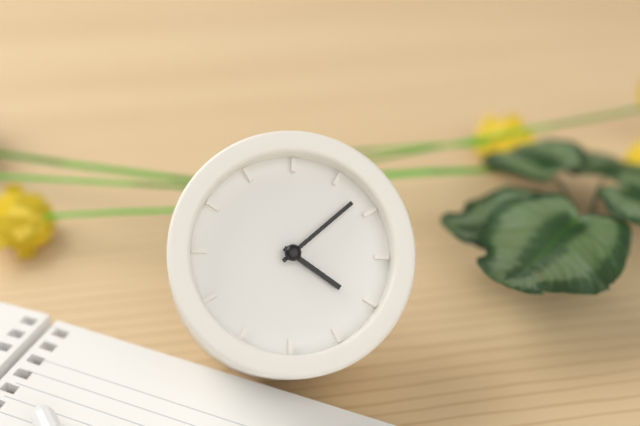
4:08
